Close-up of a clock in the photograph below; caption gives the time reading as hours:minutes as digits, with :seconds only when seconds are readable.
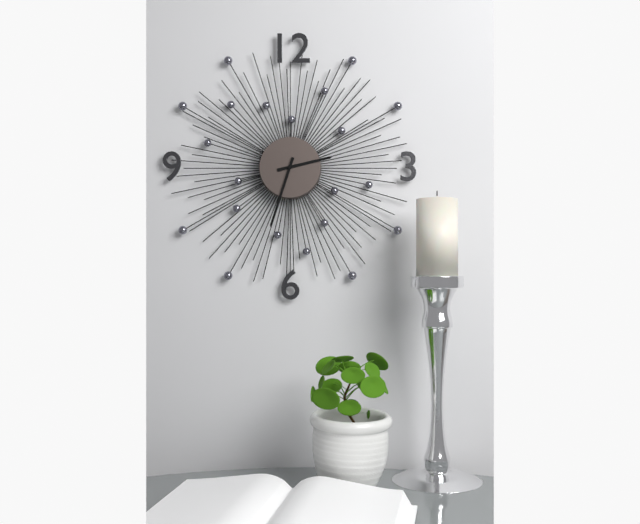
2:33
